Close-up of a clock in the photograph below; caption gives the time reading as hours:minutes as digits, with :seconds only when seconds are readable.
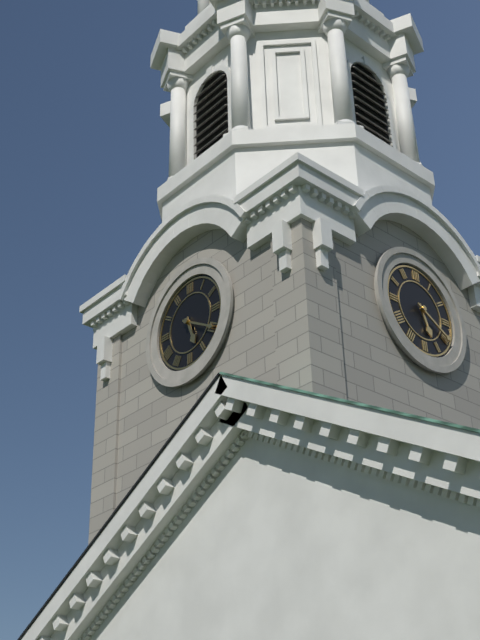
5:20
